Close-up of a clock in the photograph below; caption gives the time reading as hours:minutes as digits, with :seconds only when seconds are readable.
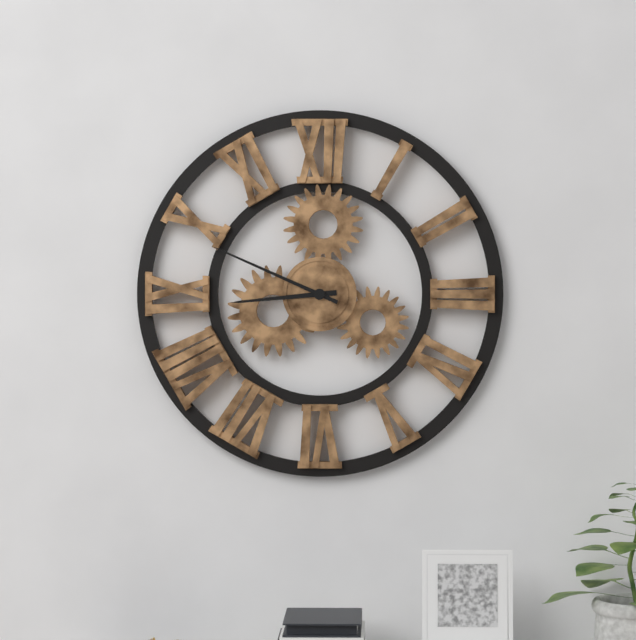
8:49
